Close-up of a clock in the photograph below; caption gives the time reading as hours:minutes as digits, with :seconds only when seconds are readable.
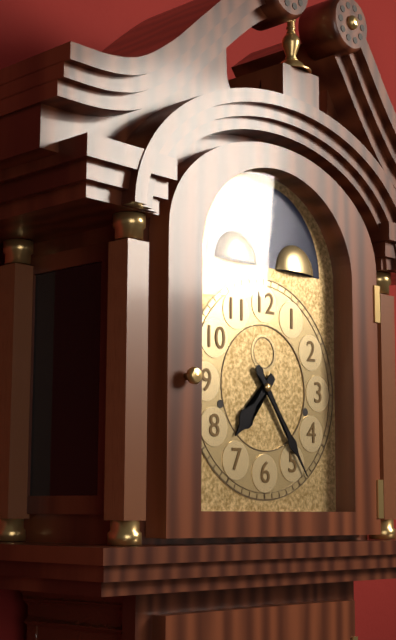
7:24
